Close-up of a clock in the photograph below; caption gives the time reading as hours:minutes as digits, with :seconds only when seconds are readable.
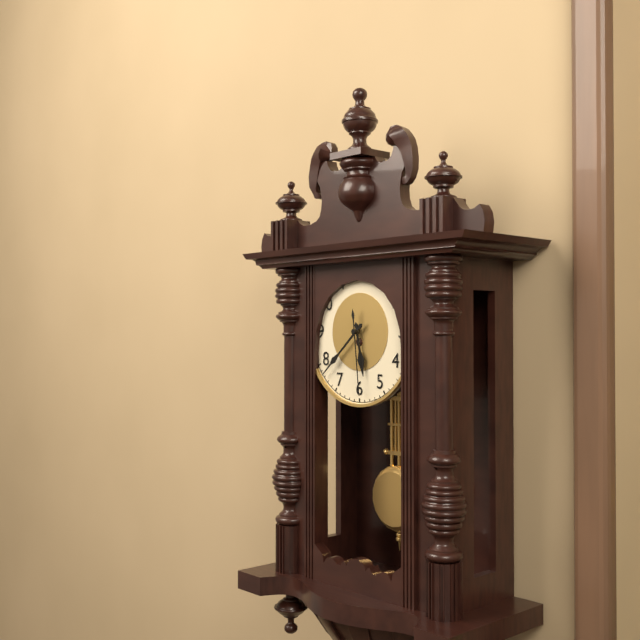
5:38:29
